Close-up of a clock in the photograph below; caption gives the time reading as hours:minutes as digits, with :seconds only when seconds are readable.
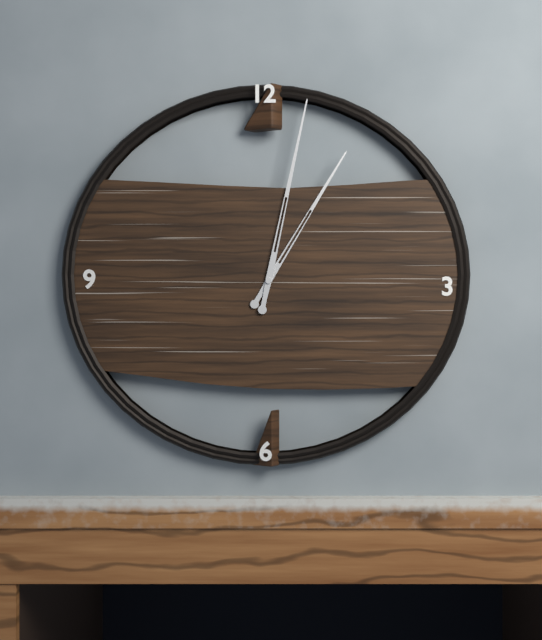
1:02
